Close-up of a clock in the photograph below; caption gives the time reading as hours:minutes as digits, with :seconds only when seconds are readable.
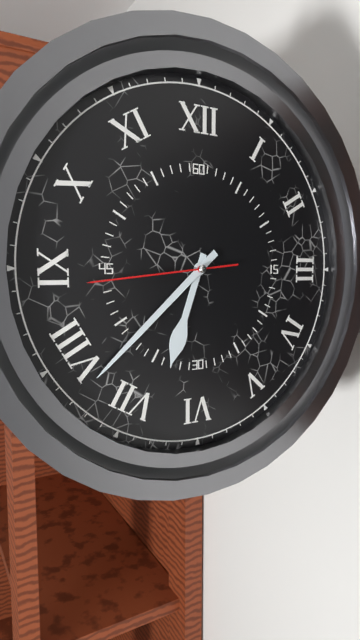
6:38:44
